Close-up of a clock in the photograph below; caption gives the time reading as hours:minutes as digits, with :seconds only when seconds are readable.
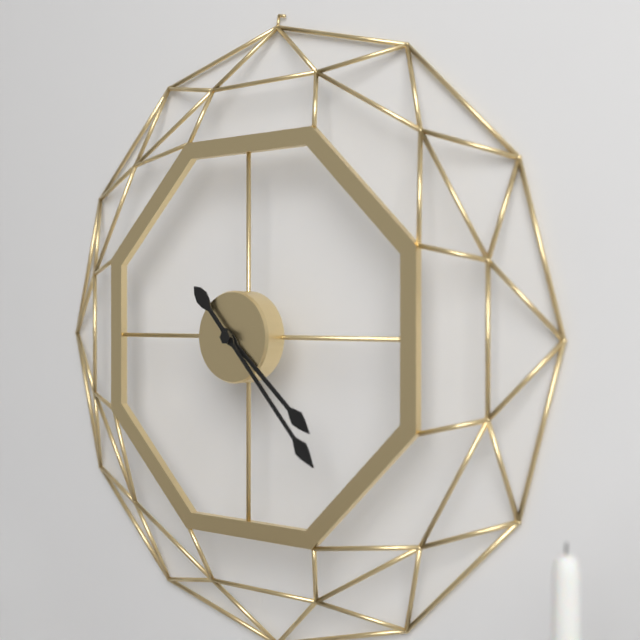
4:23
